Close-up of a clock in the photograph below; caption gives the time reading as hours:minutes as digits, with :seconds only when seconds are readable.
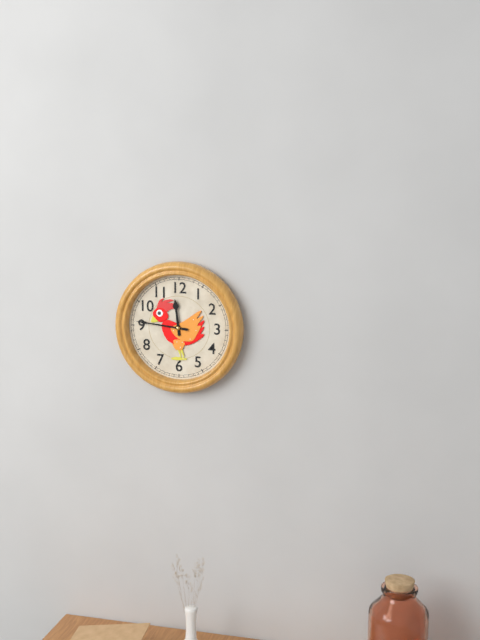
11:46
